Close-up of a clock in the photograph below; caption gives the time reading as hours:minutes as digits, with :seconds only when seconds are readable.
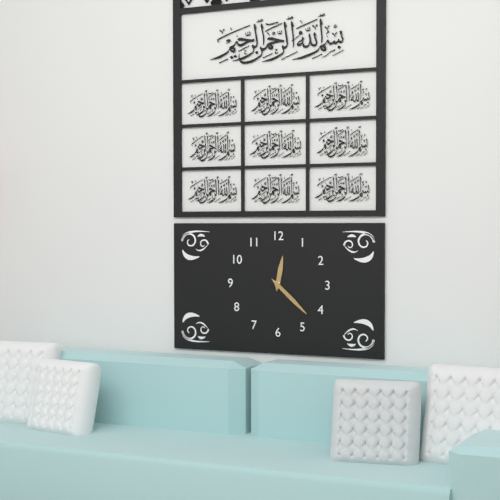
12:22
